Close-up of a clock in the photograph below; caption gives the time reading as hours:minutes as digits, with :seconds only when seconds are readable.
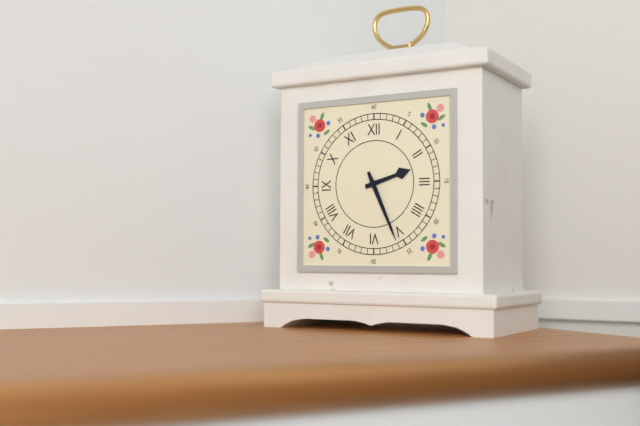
2:26
